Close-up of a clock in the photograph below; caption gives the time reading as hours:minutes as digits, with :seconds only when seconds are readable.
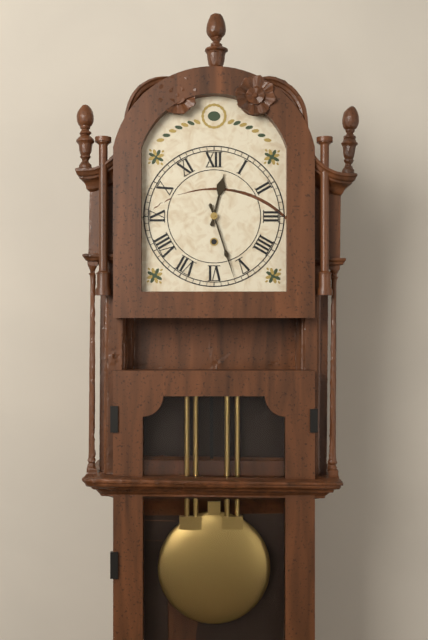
12:27
